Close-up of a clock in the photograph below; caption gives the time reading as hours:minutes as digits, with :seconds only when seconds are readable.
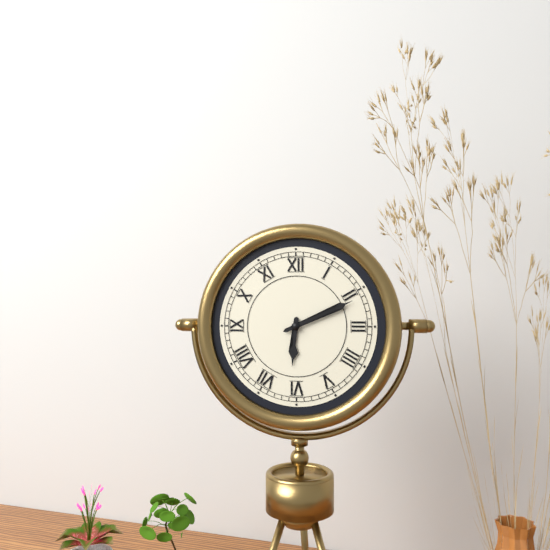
6:11
